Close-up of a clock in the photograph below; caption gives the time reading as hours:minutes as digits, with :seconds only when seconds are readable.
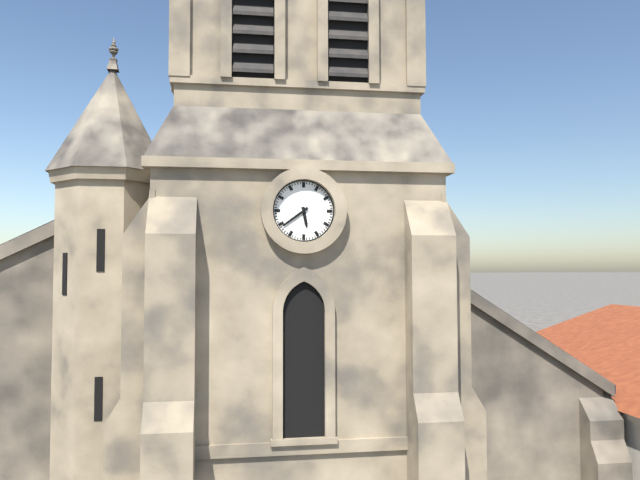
5:39
